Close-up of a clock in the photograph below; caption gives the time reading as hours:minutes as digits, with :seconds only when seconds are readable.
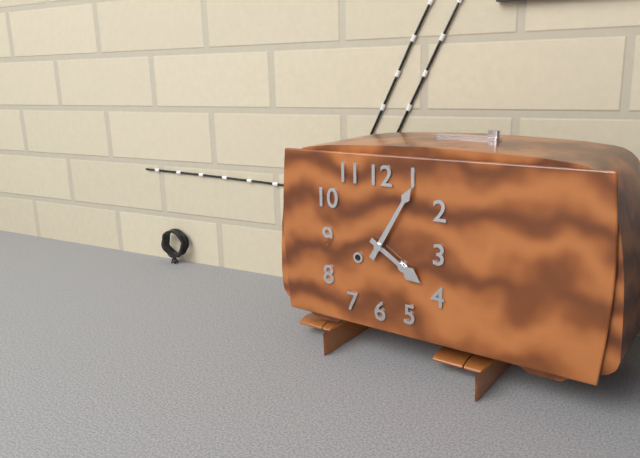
4:05
